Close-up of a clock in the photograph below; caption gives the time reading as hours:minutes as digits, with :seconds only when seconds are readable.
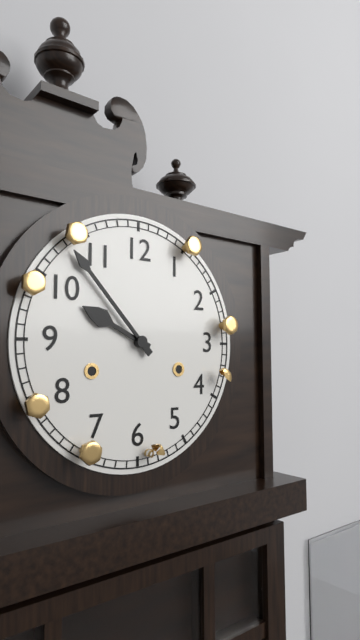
9:53
